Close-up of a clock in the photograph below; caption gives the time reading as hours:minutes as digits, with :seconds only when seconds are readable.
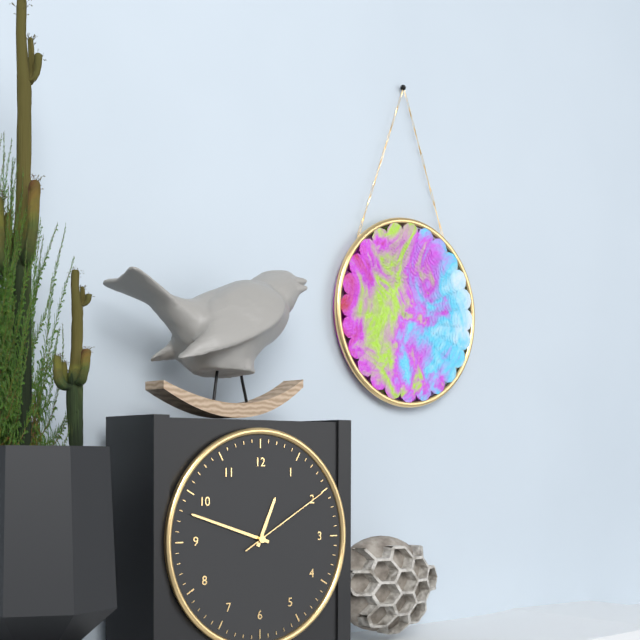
12:48:10
